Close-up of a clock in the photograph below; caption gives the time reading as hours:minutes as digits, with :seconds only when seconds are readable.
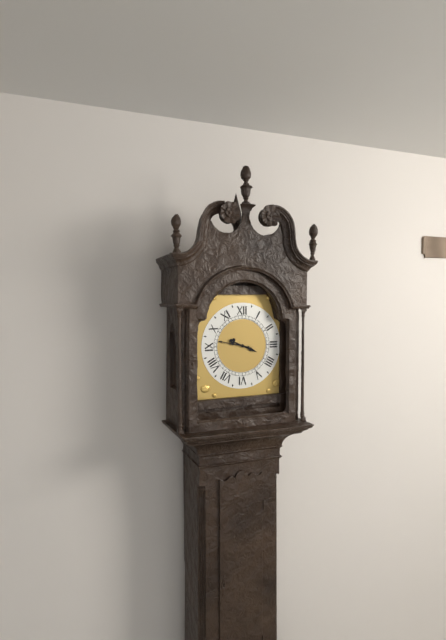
3:47
